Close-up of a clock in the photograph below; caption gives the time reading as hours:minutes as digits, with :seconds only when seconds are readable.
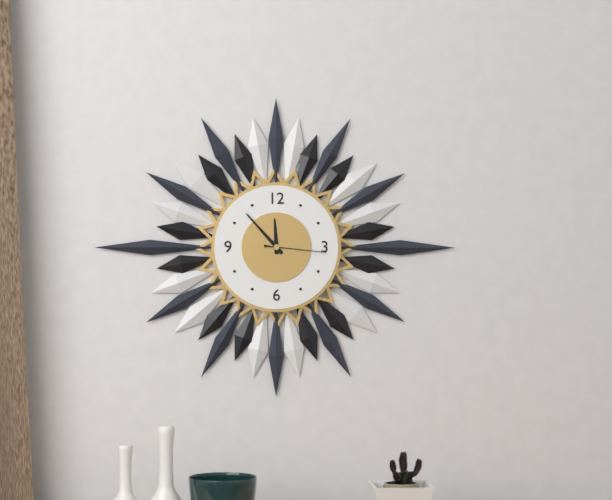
11:53:16
